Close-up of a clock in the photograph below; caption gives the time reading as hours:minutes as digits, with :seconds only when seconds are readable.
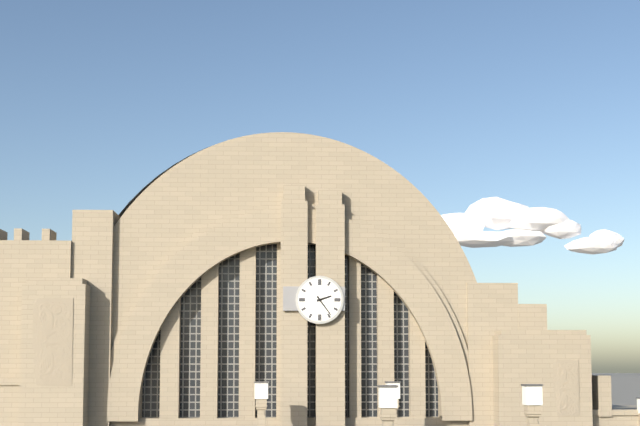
2:24
